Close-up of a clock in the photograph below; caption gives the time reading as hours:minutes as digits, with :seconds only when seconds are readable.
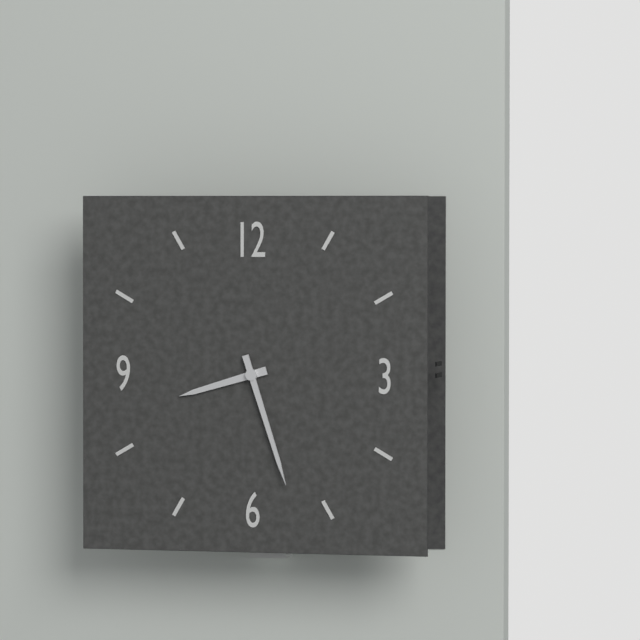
8:27
